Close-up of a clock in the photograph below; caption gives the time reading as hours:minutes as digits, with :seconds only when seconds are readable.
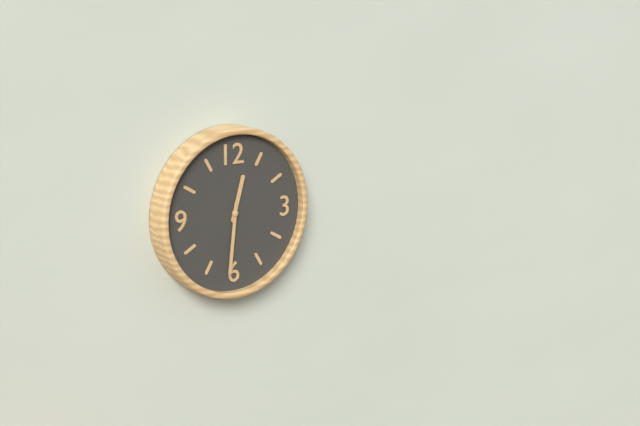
12:31
